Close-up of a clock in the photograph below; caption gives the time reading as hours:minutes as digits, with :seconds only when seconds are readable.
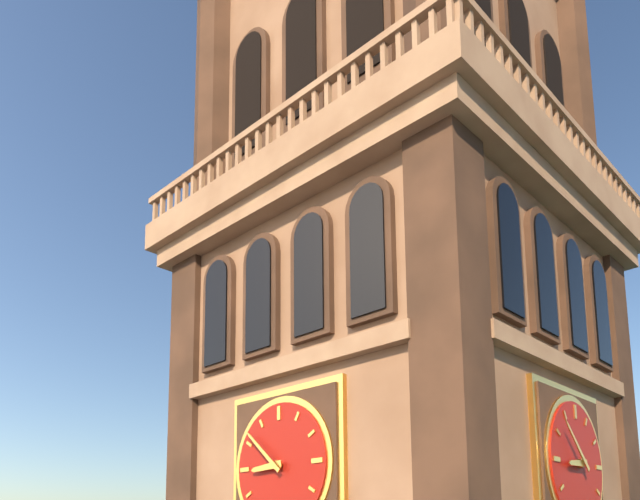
8:52
